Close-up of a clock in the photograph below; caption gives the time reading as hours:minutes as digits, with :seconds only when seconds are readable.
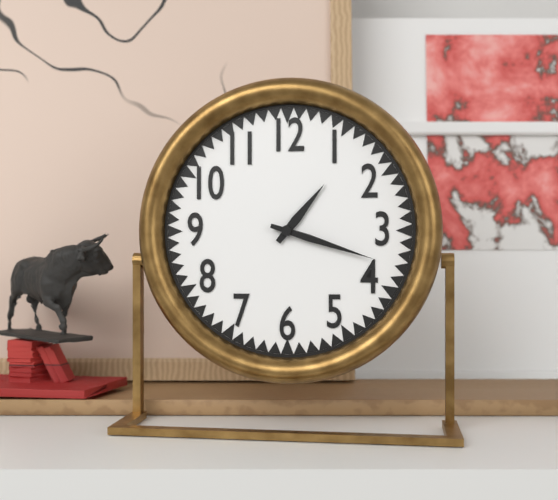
1:18
